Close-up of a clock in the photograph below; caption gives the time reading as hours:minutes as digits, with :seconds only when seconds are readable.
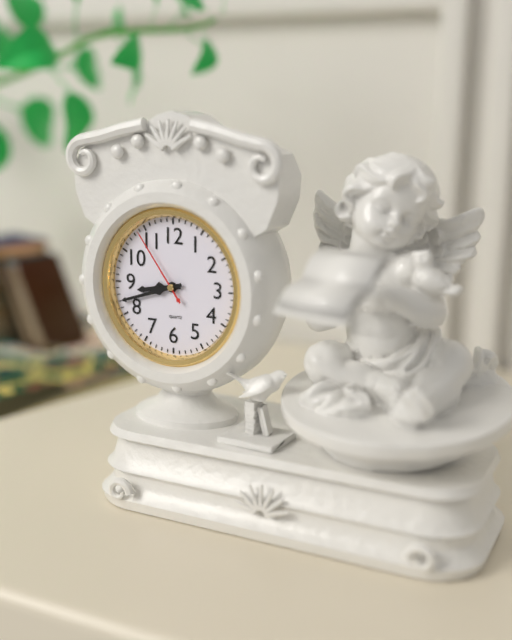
8:42:54
